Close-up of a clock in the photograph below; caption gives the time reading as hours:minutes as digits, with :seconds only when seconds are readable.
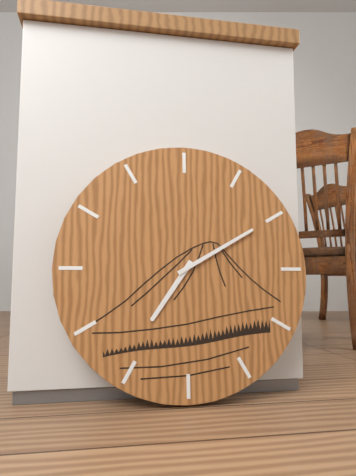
7:10
